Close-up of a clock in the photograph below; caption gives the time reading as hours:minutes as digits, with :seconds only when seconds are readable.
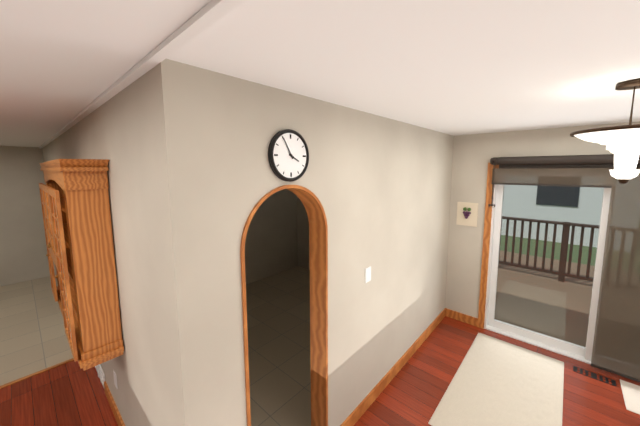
3:55
